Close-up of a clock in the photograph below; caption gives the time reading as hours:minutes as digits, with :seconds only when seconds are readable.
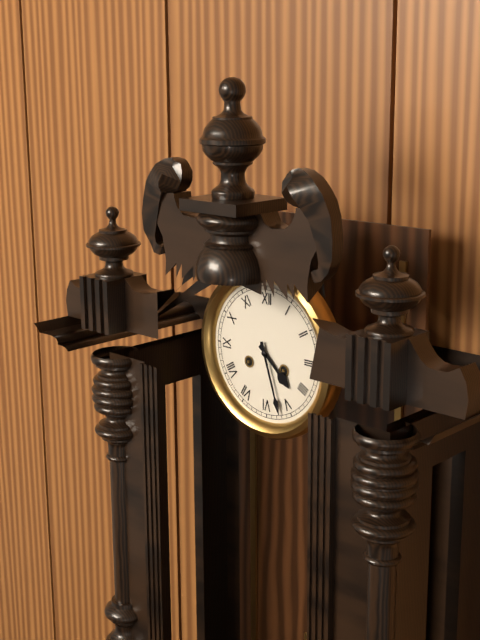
4:27
